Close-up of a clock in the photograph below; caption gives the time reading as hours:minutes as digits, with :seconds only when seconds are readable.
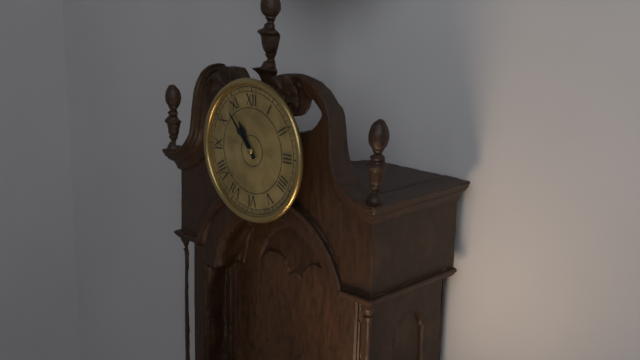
10:53
